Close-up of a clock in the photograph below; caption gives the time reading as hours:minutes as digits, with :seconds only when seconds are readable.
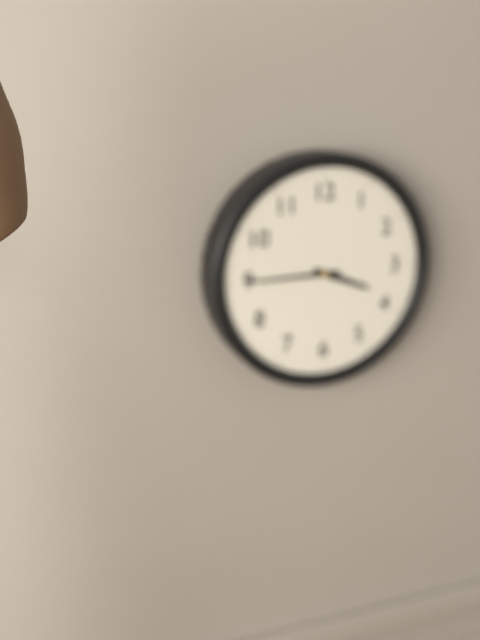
3:45
